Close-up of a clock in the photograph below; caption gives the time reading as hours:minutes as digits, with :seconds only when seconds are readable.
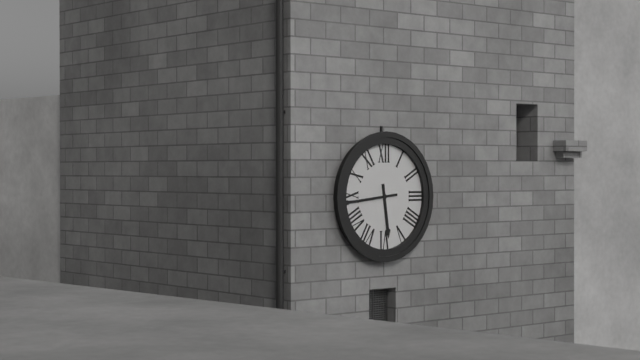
5:44
